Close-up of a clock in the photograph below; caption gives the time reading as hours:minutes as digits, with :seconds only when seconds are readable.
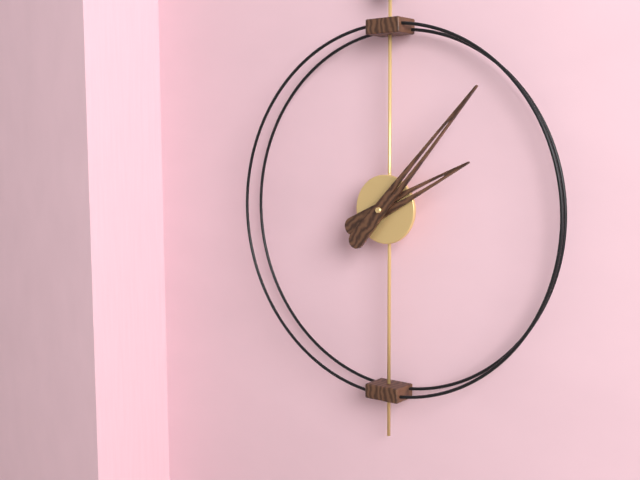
2:07
